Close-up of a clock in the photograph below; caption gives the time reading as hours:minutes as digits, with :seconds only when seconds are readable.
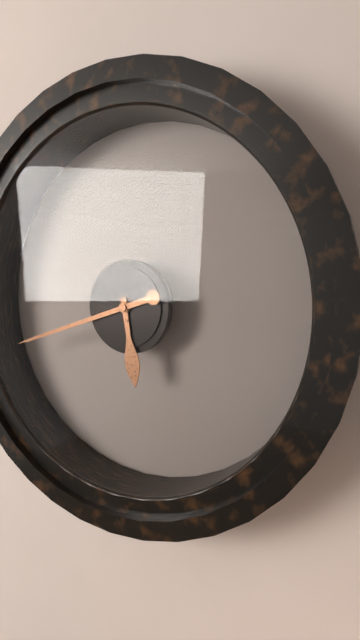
5:42
